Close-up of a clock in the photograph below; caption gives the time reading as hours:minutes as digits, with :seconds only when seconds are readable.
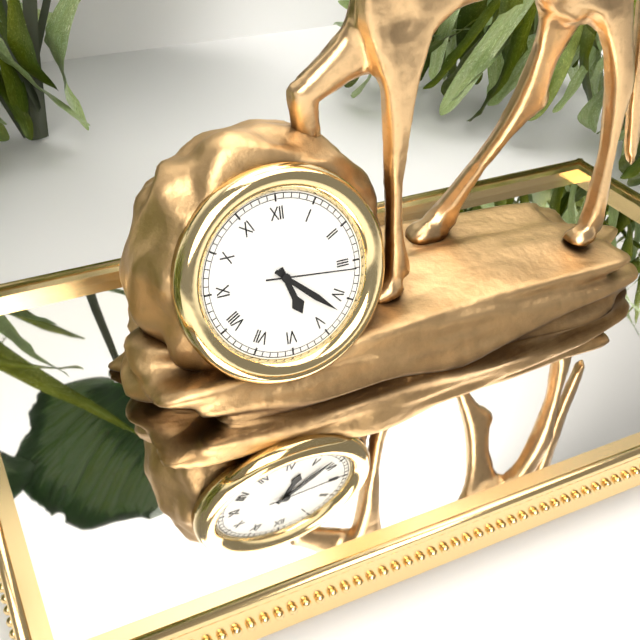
5:22:16
